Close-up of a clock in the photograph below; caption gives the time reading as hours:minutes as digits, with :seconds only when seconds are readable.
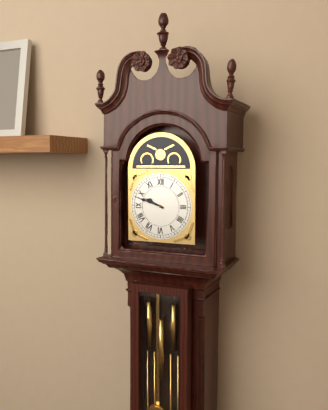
9:48
